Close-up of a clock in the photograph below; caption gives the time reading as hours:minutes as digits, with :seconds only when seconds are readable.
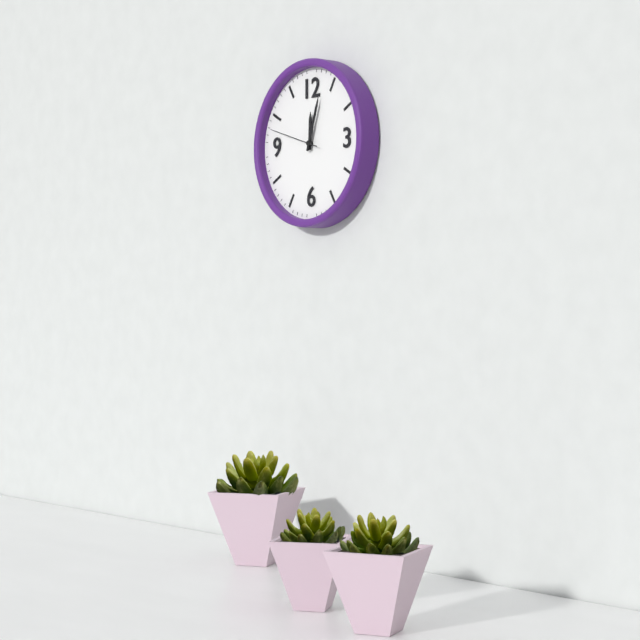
12:03:48
